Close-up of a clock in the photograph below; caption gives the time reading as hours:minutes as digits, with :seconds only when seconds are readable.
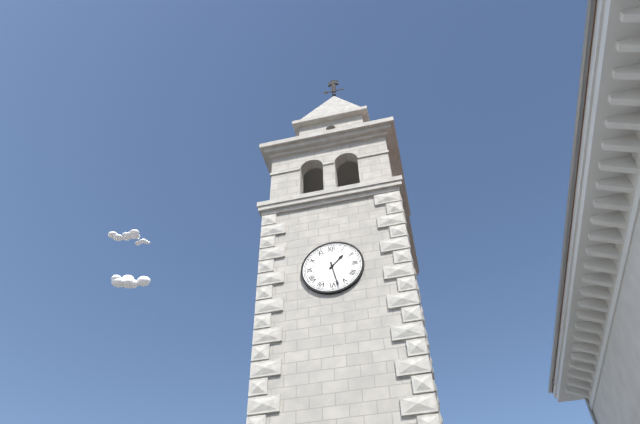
1:28
